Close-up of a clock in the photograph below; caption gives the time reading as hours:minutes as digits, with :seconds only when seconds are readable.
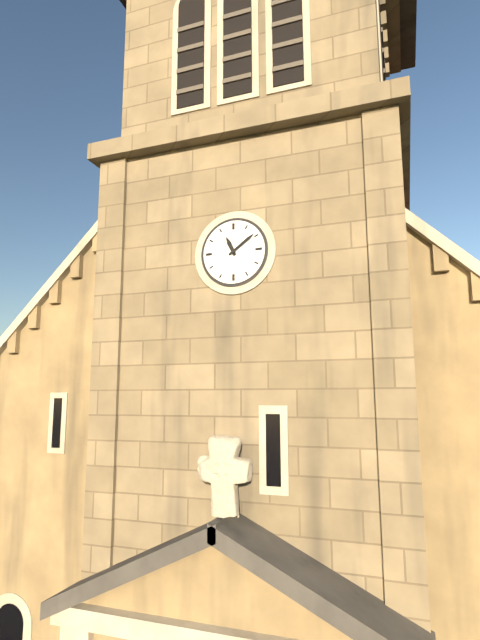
11:09
